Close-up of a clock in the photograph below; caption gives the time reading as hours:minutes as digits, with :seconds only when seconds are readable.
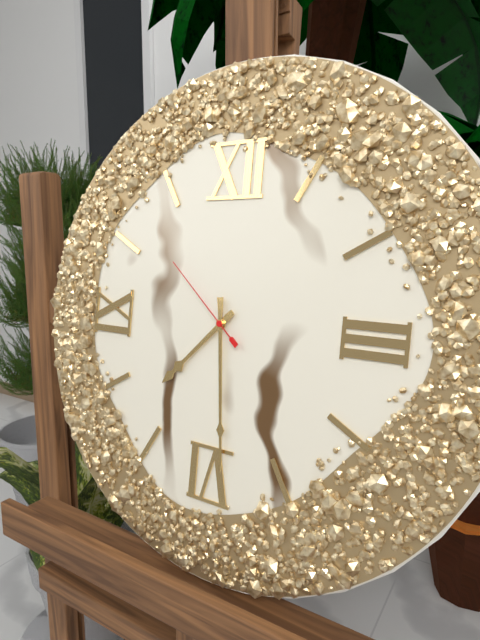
7:29:52
